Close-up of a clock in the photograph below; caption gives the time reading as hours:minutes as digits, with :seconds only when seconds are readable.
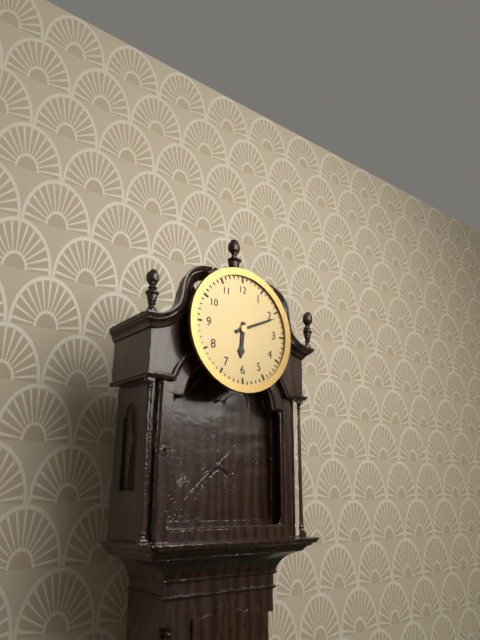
6:11
